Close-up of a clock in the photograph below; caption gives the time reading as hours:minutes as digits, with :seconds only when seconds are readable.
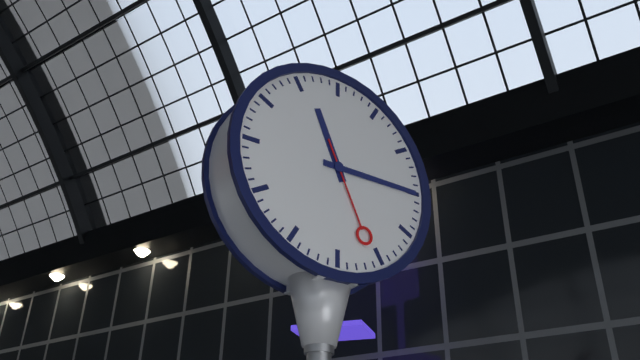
11:15:26
